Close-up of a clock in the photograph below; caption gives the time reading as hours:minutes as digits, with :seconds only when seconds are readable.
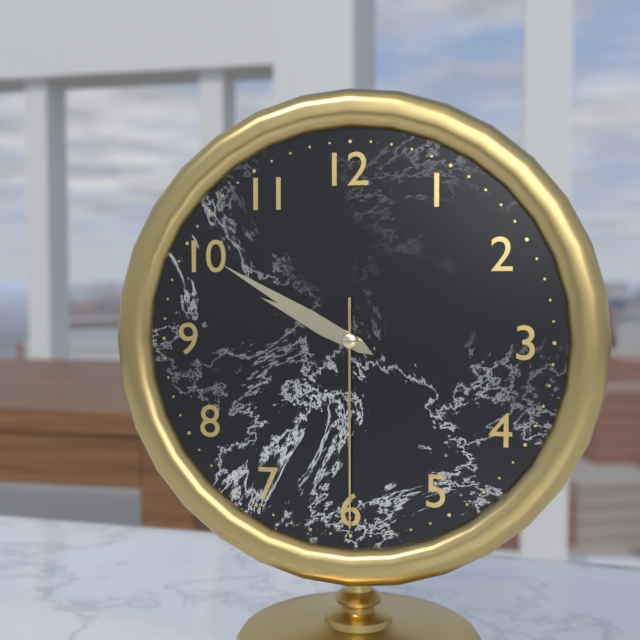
9:50:30
